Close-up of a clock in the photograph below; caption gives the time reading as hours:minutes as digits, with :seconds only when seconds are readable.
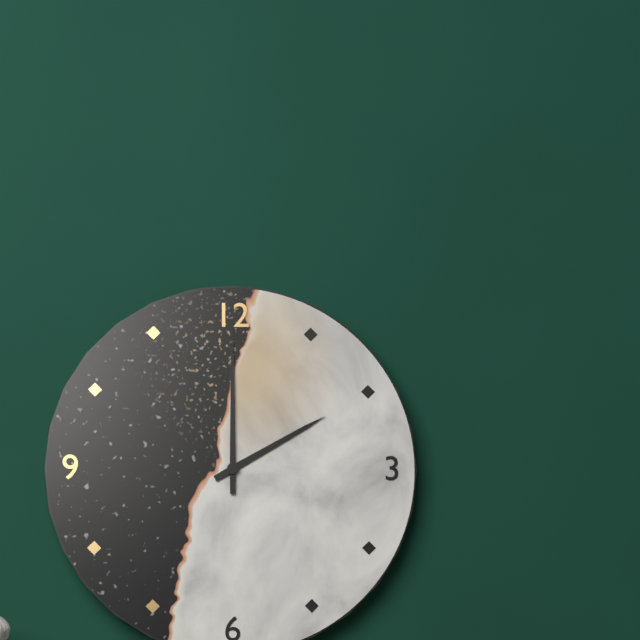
2:00
